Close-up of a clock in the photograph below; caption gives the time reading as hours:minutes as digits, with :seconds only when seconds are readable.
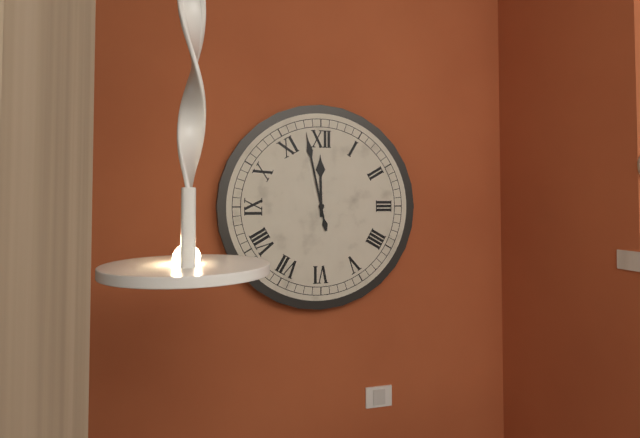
11:58
